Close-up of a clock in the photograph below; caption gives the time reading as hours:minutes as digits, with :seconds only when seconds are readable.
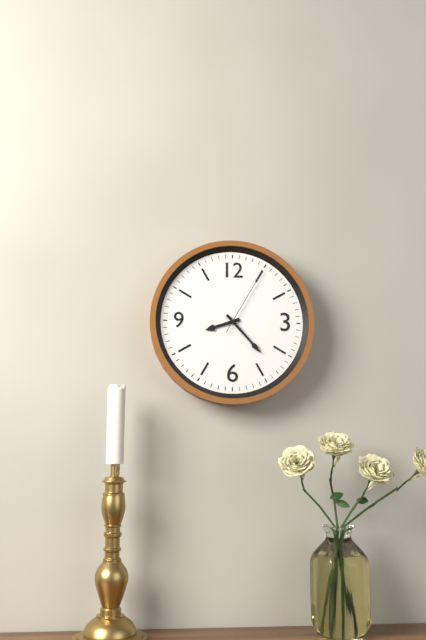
8:23:05
